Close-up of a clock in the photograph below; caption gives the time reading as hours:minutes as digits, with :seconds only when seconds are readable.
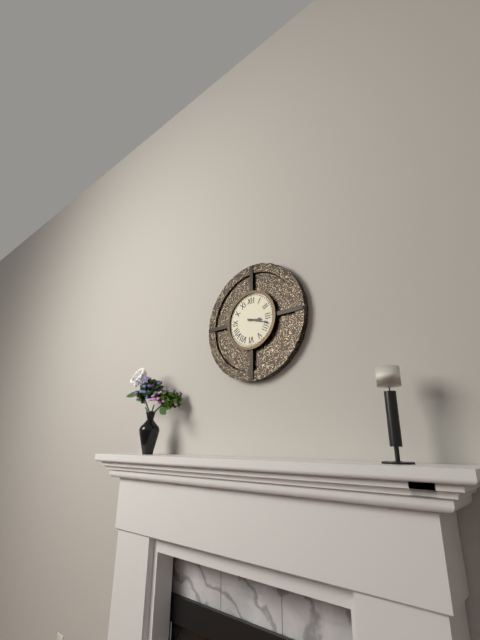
3:18
